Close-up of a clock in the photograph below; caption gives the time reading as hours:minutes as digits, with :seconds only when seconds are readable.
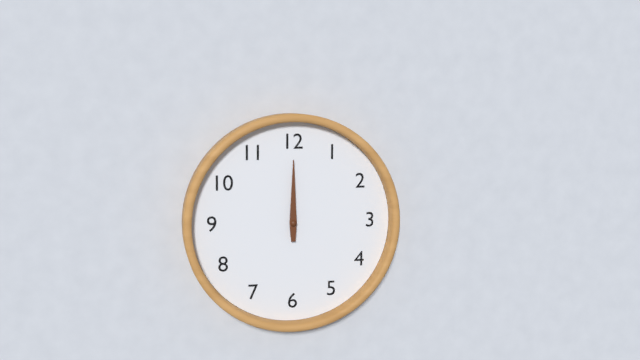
12:00
